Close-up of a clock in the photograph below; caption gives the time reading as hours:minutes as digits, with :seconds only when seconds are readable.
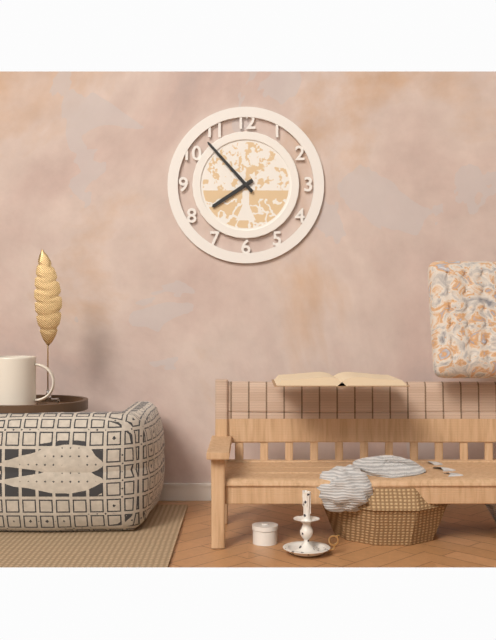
7:53
